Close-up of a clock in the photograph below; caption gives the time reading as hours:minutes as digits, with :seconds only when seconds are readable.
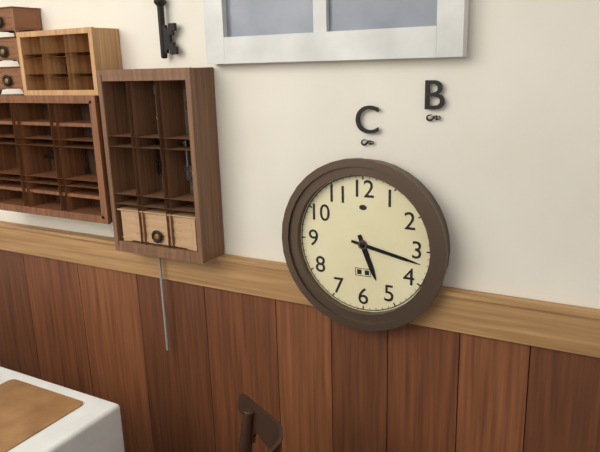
5:17
